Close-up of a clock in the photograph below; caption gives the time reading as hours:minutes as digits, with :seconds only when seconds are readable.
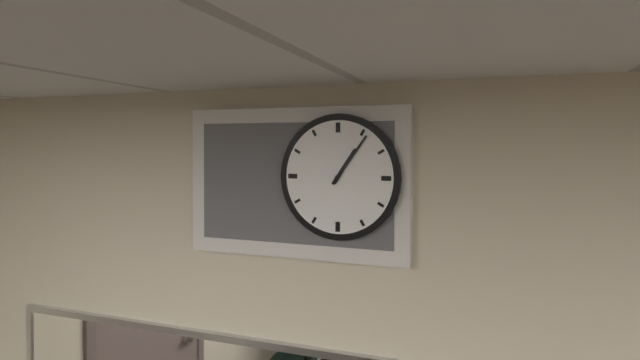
1:06
